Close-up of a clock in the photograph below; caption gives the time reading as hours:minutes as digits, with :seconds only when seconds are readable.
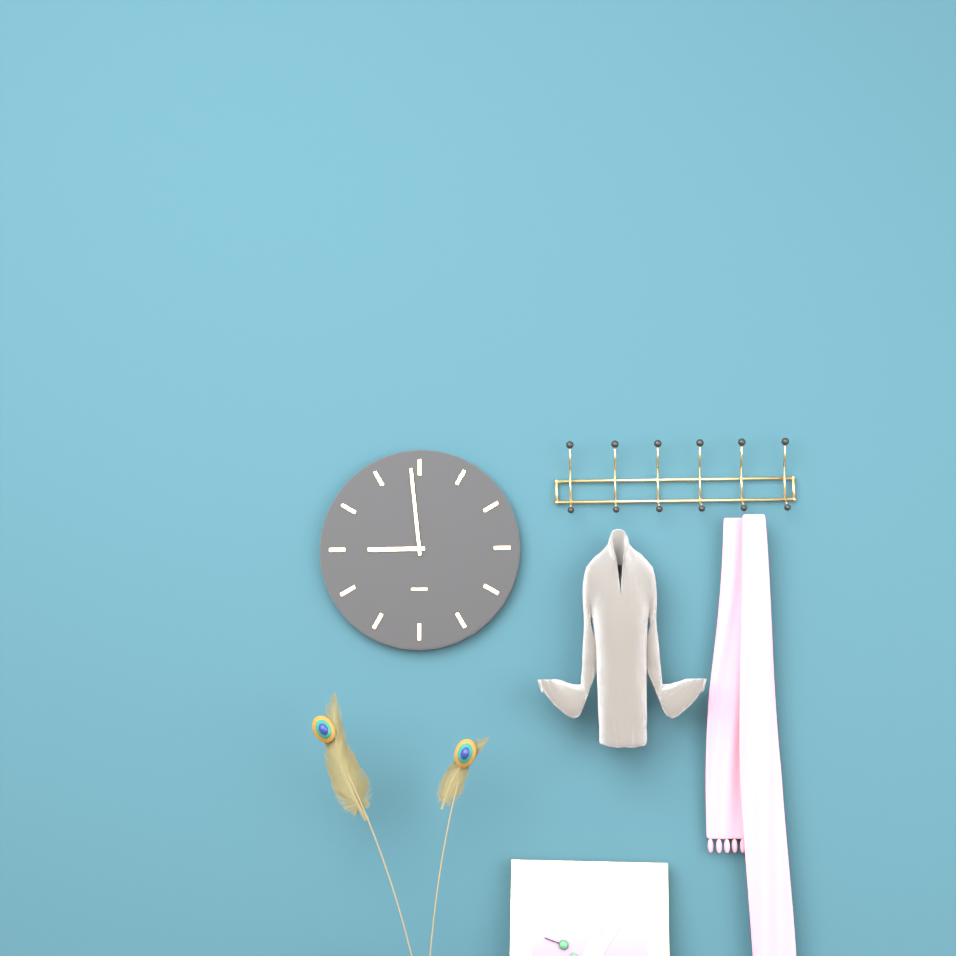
8:59
